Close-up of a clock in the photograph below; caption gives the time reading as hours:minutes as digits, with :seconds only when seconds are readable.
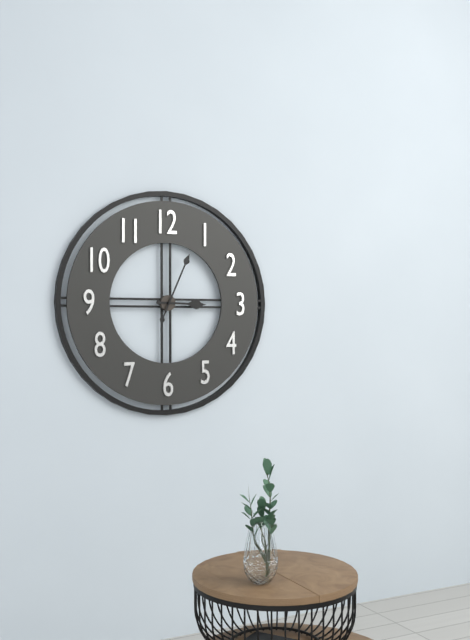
3:04
